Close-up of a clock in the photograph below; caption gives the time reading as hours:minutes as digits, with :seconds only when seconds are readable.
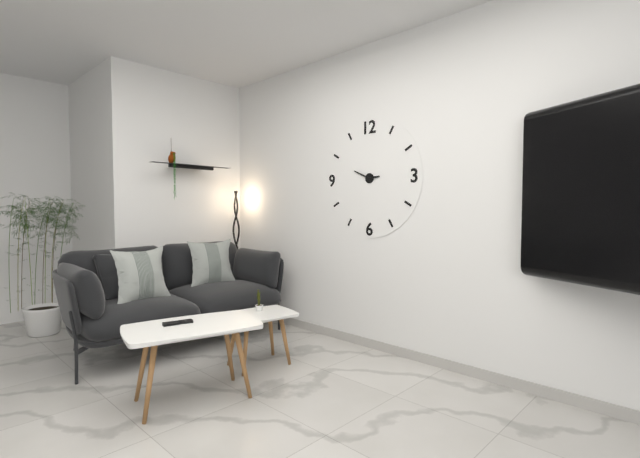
2:49
